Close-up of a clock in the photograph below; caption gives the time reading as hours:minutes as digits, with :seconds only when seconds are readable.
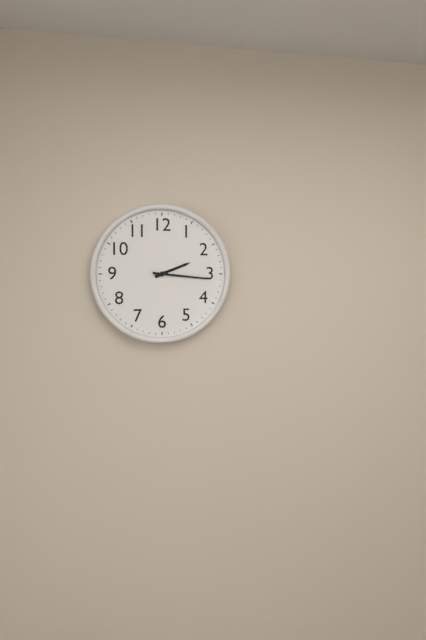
2:16
